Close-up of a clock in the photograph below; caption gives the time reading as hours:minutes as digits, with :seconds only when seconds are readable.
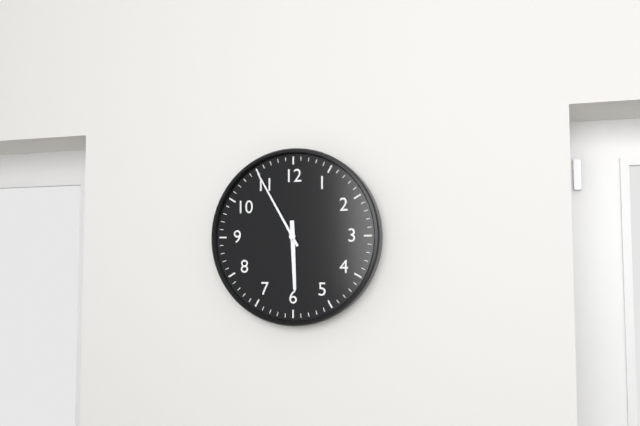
5:55
